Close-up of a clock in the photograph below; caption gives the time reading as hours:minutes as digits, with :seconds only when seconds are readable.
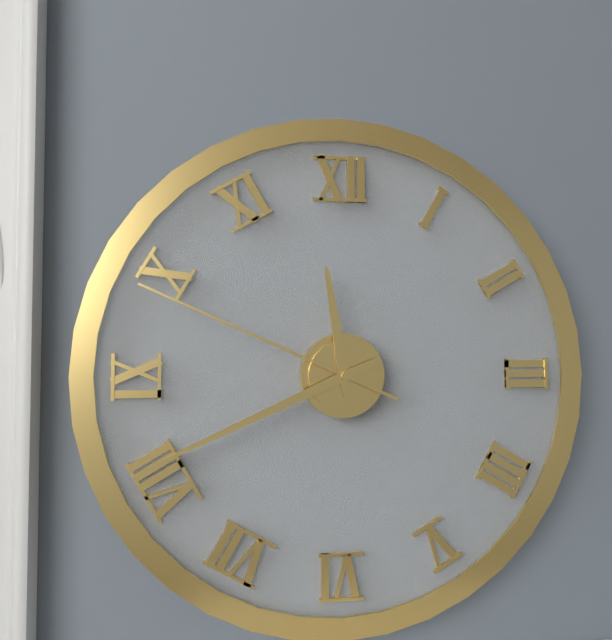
11:41:49
